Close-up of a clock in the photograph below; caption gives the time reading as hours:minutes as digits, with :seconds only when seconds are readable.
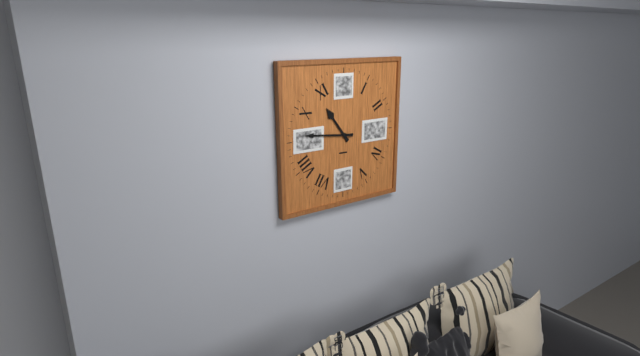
10:46
